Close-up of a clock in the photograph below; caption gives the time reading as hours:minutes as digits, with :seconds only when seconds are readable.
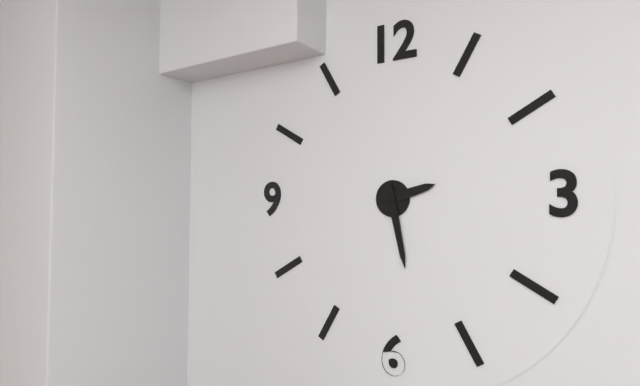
2:28
